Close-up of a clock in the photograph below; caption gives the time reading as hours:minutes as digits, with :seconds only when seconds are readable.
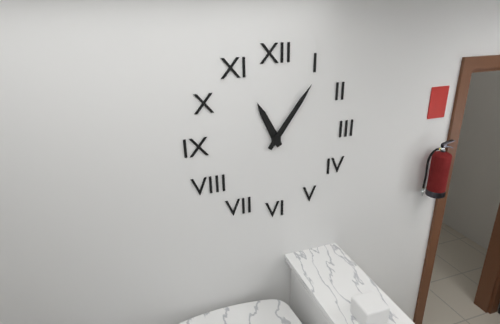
11:06
